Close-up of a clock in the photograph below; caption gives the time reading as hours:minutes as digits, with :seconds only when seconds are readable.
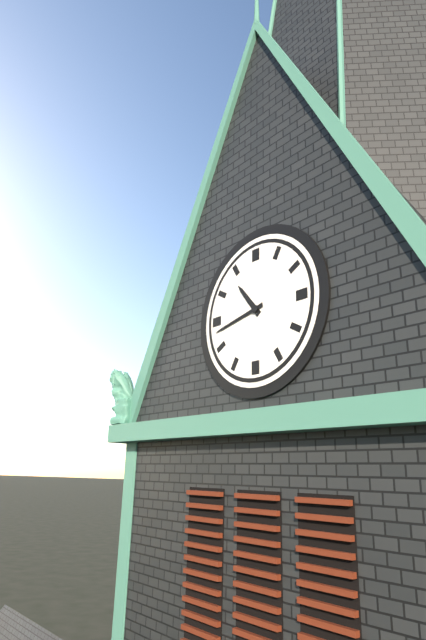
10:43
